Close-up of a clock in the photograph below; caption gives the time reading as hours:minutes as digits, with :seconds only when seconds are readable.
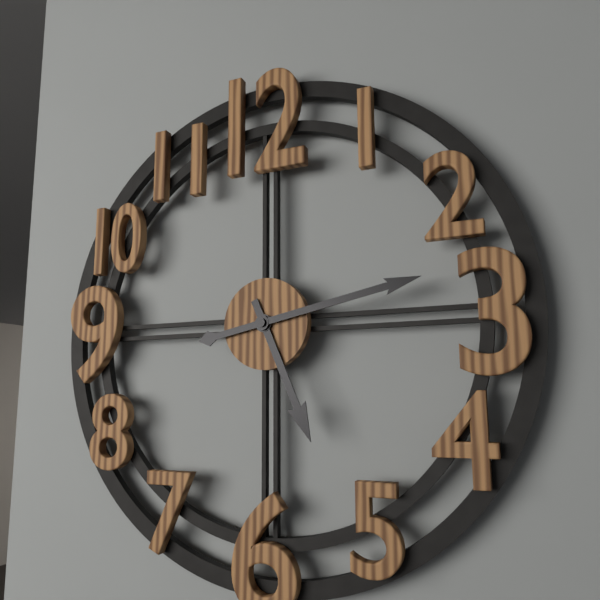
5:13
